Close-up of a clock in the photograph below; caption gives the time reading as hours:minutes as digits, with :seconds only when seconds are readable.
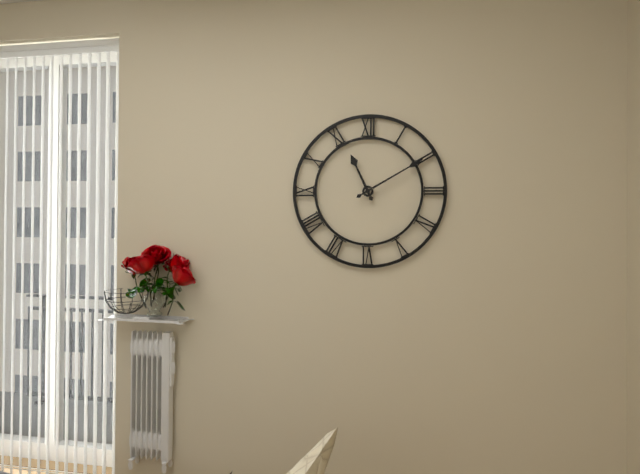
11:10
